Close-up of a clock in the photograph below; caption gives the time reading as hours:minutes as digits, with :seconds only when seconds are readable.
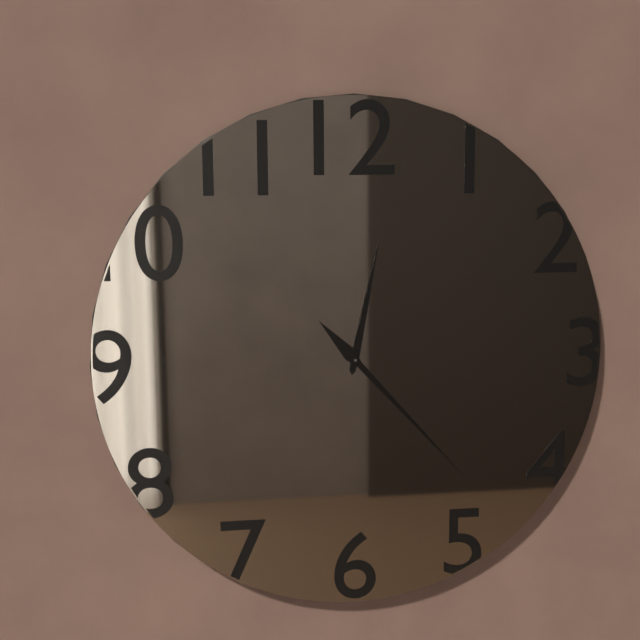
12:23
